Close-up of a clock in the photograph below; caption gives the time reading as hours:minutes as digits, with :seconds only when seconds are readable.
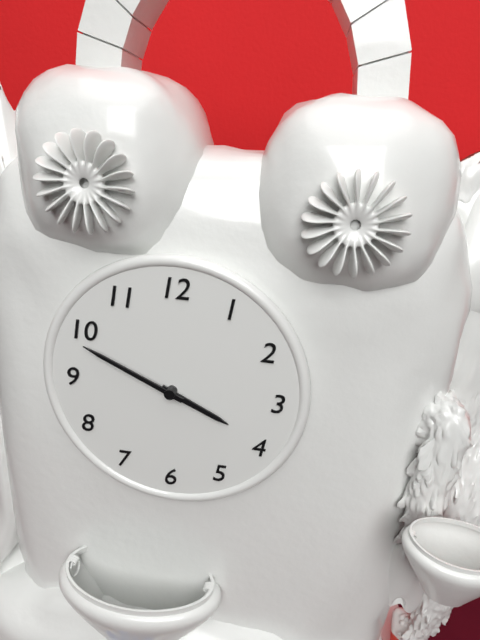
3:49
